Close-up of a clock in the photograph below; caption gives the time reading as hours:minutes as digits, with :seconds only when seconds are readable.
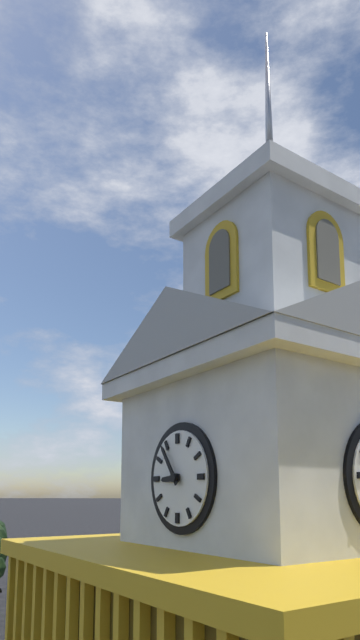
8:54
